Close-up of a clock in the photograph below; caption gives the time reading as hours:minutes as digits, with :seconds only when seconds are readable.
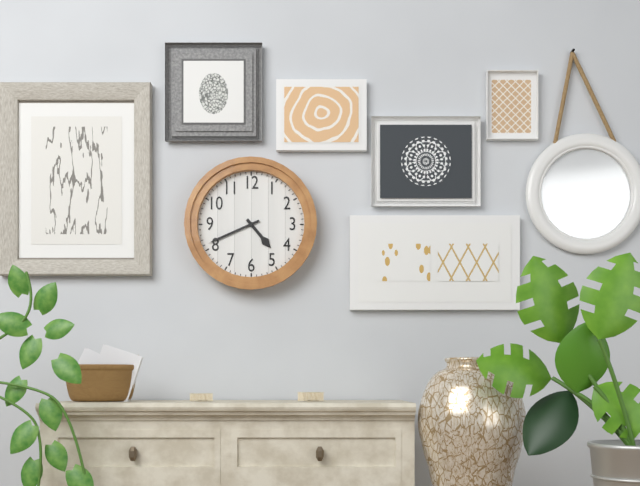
4:41
